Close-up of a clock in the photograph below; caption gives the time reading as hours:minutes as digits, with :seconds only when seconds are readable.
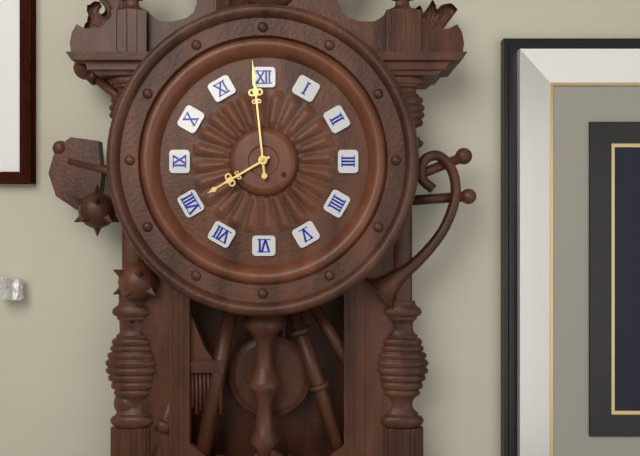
7:59
